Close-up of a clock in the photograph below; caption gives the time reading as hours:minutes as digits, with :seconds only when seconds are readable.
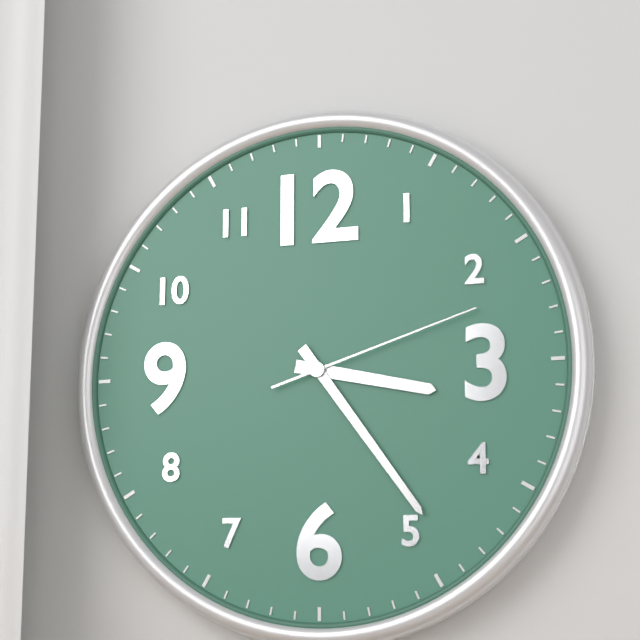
3:24:12
